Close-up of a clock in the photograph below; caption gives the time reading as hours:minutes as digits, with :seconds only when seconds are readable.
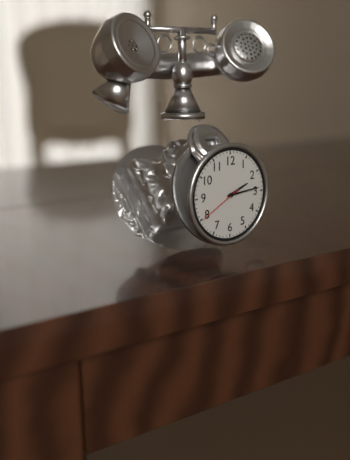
2:14
